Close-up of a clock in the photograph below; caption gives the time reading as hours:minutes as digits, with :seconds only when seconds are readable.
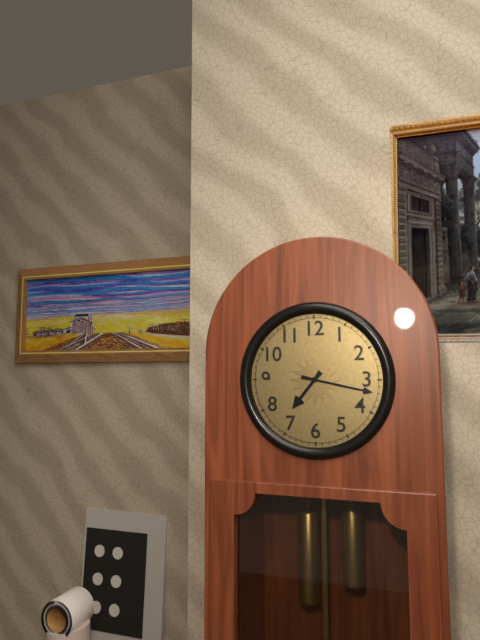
7:17
